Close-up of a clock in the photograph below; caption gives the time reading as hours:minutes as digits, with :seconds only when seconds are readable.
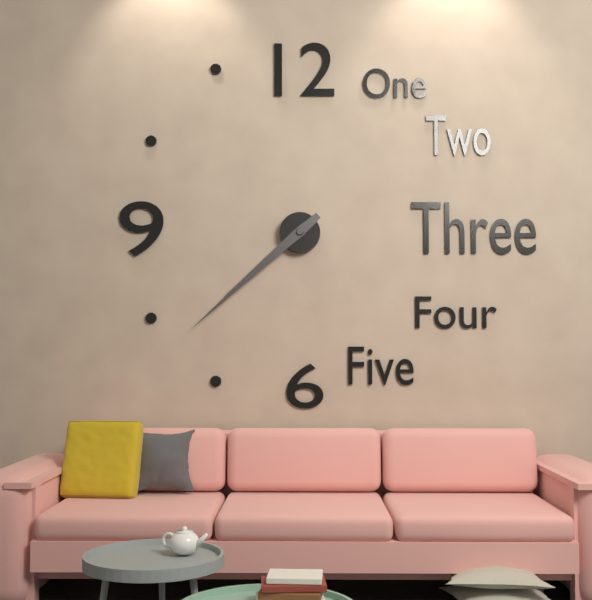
7:38
